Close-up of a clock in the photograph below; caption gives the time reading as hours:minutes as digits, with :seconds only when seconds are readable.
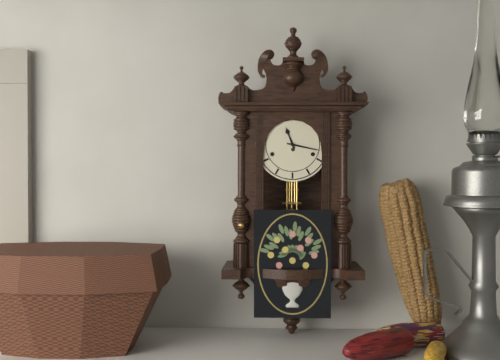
11:17
